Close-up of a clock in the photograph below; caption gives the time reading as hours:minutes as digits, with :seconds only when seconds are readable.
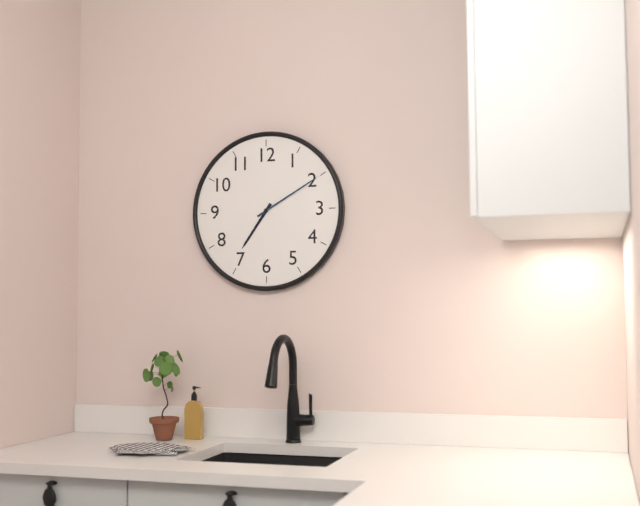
7:10
